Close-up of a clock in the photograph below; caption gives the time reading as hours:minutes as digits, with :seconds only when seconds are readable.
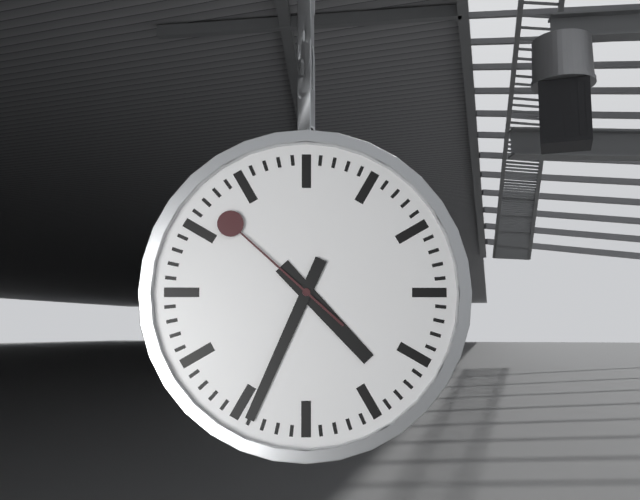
4:34:52
